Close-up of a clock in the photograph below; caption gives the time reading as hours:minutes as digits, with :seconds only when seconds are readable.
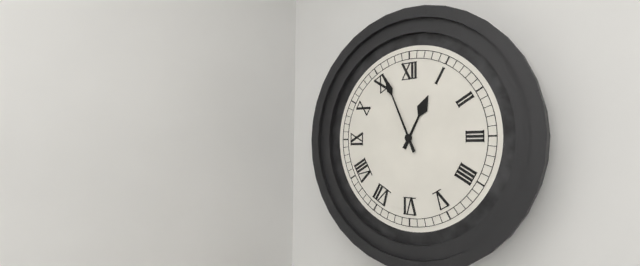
12:56
